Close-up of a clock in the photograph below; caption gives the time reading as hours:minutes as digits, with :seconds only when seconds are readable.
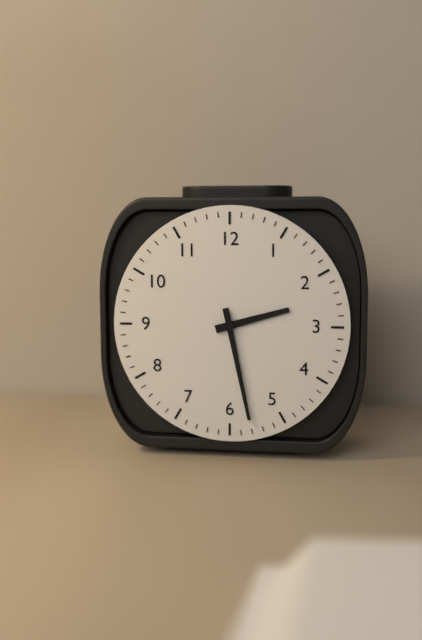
2:28
